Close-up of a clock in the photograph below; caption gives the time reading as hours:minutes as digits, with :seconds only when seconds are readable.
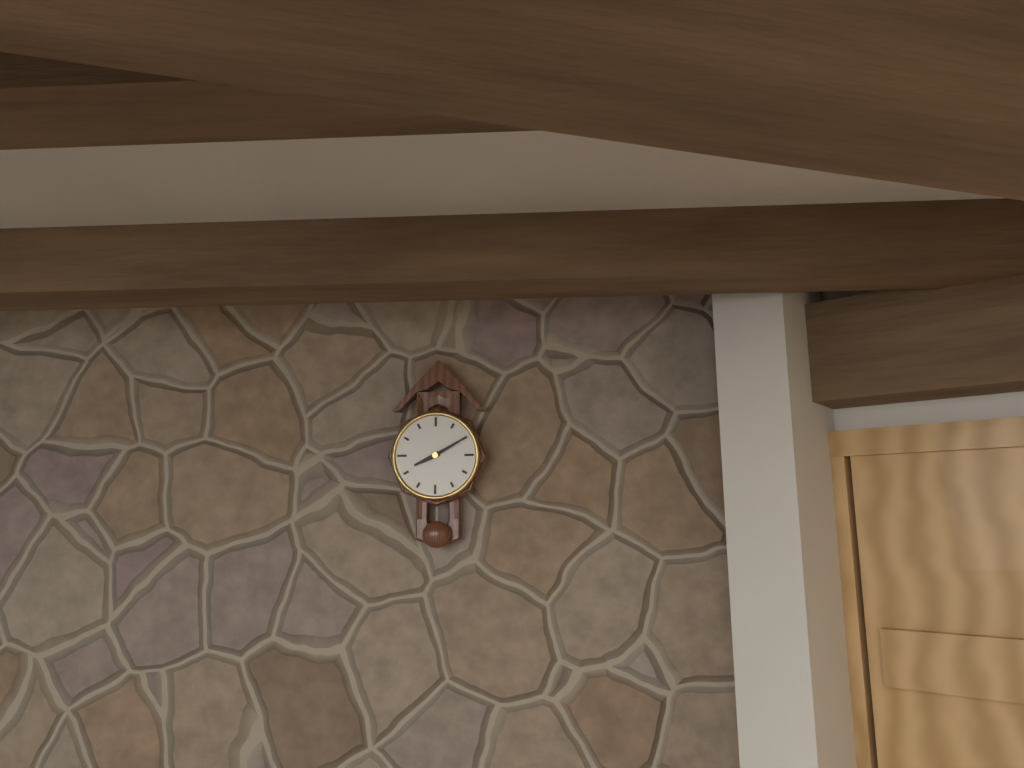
8:10
